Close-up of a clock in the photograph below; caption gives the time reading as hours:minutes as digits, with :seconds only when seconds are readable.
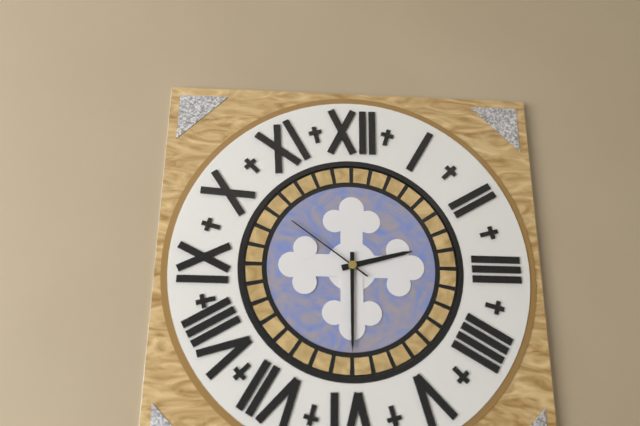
2:30:51
